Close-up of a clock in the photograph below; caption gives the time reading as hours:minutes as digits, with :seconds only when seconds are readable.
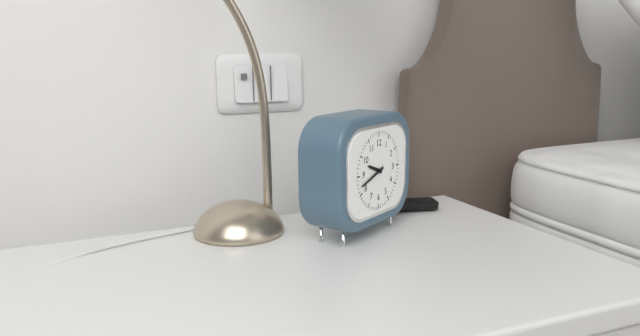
9:42
